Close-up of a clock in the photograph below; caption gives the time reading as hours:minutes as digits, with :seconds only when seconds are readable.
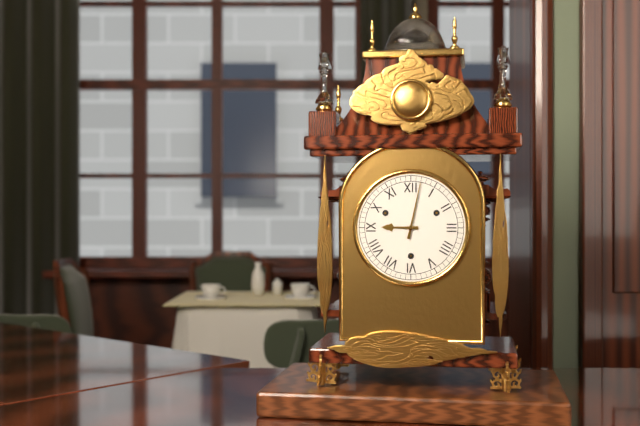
9:02
